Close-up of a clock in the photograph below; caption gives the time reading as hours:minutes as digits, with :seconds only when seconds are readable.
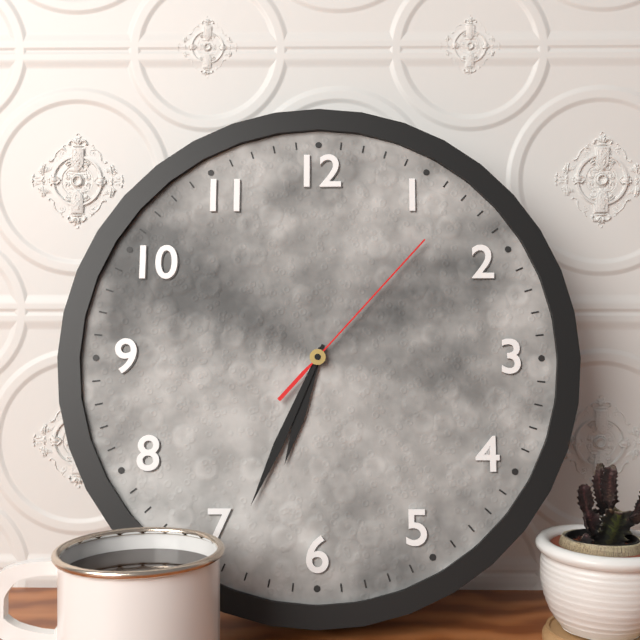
6:34:07
